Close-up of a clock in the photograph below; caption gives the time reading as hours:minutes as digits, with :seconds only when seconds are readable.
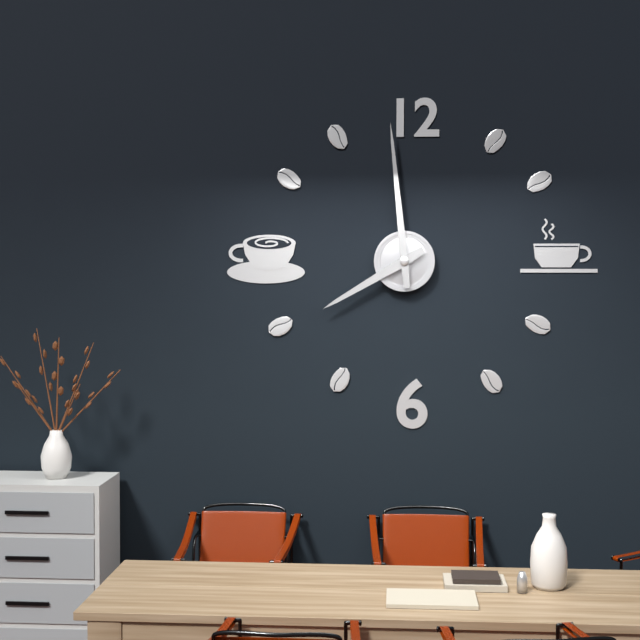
7:59
